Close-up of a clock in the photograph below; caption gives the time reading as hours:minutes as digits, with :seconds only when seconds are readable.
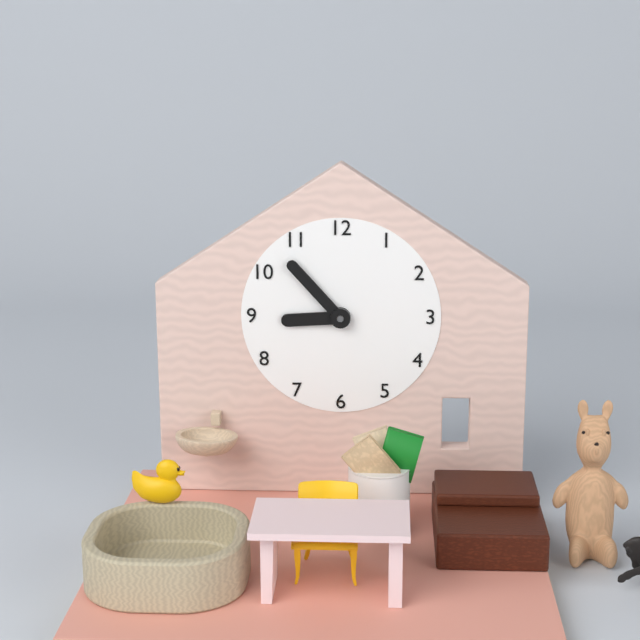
8:53
